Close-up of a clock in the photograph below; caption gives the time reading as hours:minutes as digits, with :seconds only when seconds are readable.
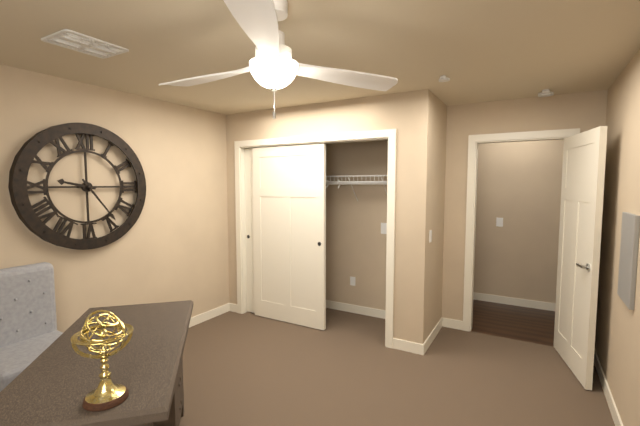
9:24
